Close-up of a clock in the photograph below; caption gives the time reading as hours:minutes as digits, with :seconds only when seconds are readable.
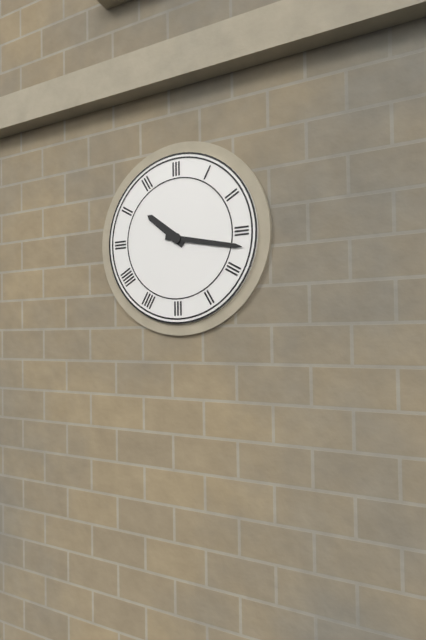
10:17
